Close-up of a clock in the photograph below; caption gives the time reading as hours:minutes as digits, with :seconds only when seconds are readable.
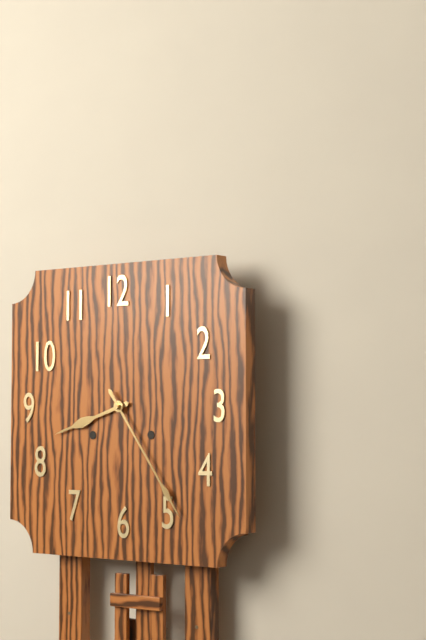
8:24
